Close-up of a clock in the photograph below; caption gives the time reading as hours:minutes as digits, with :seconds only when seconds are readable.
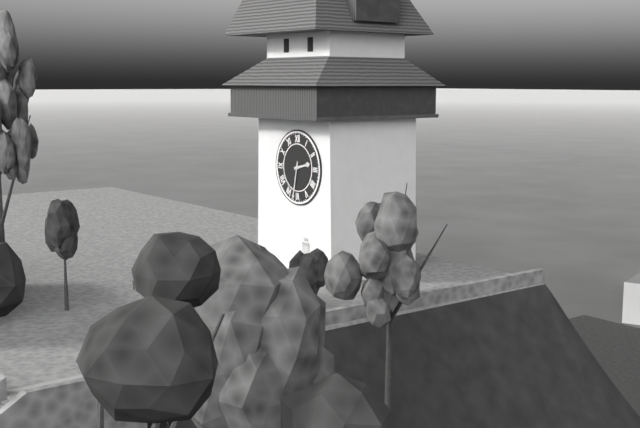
2:32
